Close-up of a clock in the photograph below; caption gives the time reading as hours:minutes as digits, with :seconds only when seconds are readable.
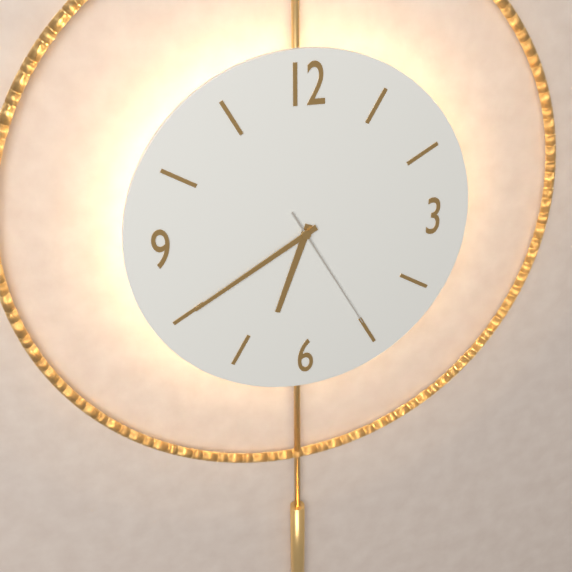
6:40:25
